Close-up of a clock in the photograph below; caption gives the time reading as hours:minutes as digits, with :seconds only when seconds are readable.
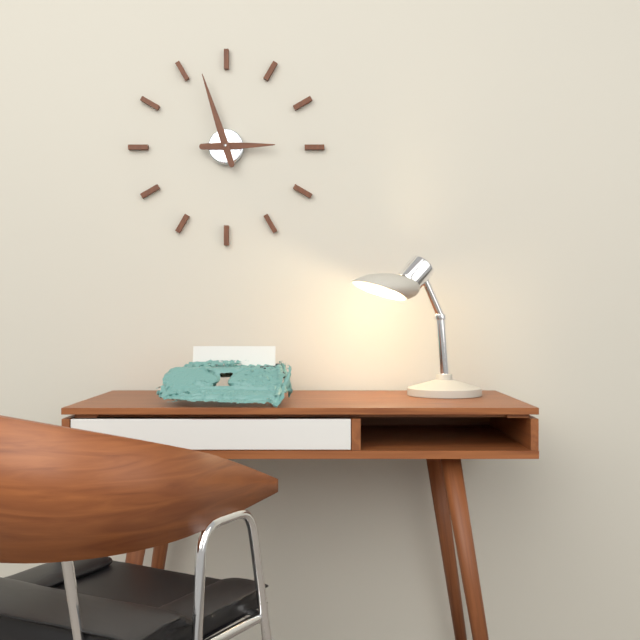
2:57
